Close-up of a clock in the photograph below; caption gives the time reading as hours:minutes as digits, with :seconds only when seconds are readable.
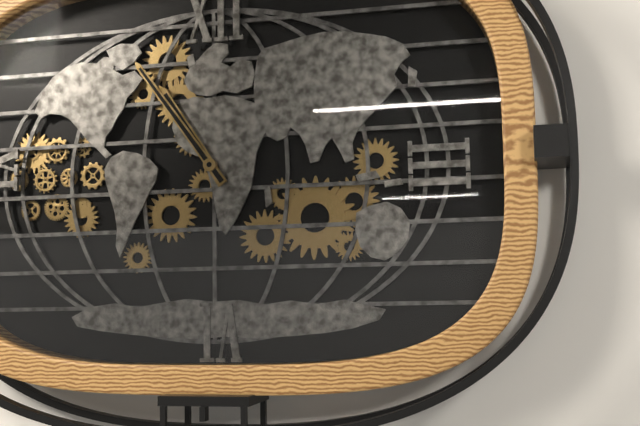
10:54
